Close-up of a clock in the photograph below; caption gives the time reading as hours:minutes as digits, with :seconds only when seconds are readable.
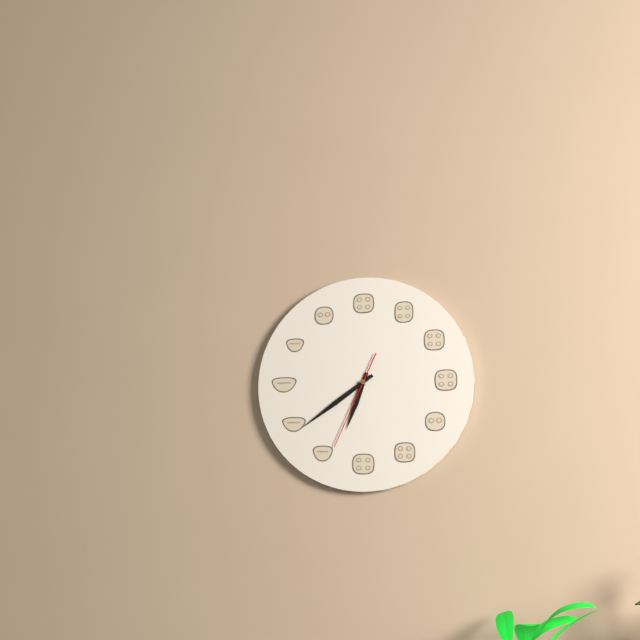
6:39:34
